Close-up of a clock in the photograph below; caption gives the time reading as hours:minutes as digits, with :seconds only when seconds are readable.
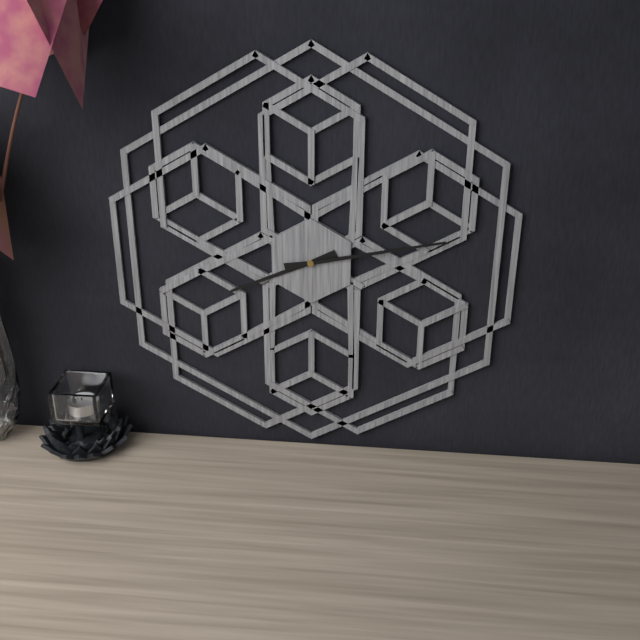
8:13
